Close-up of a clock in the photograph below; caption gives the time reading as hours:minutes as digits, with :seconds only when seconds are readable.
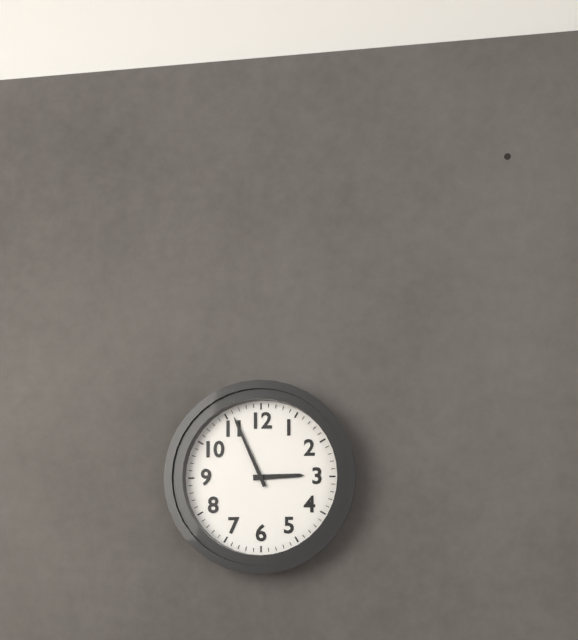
2:56
